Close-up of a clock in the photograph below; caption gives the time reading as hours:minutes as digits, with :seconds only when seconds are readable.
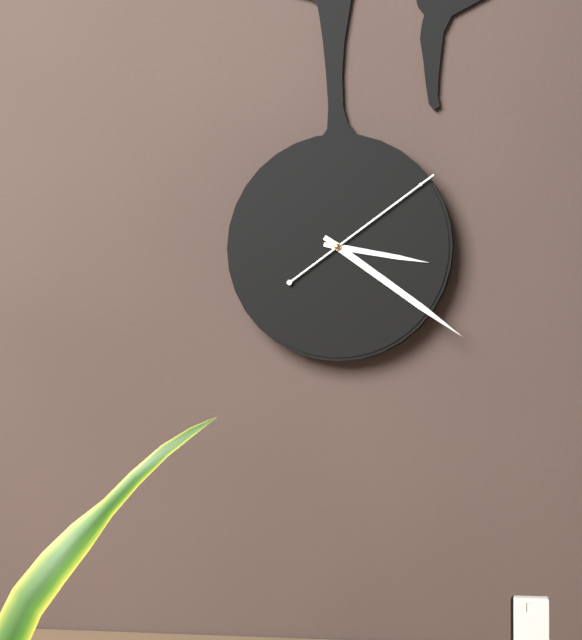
3:21:09
